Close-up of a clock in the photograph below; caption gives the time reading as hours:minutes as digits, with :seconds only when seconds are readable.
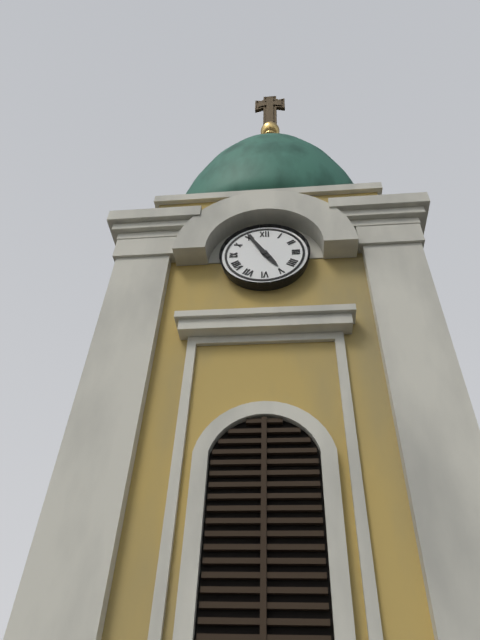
4:55
